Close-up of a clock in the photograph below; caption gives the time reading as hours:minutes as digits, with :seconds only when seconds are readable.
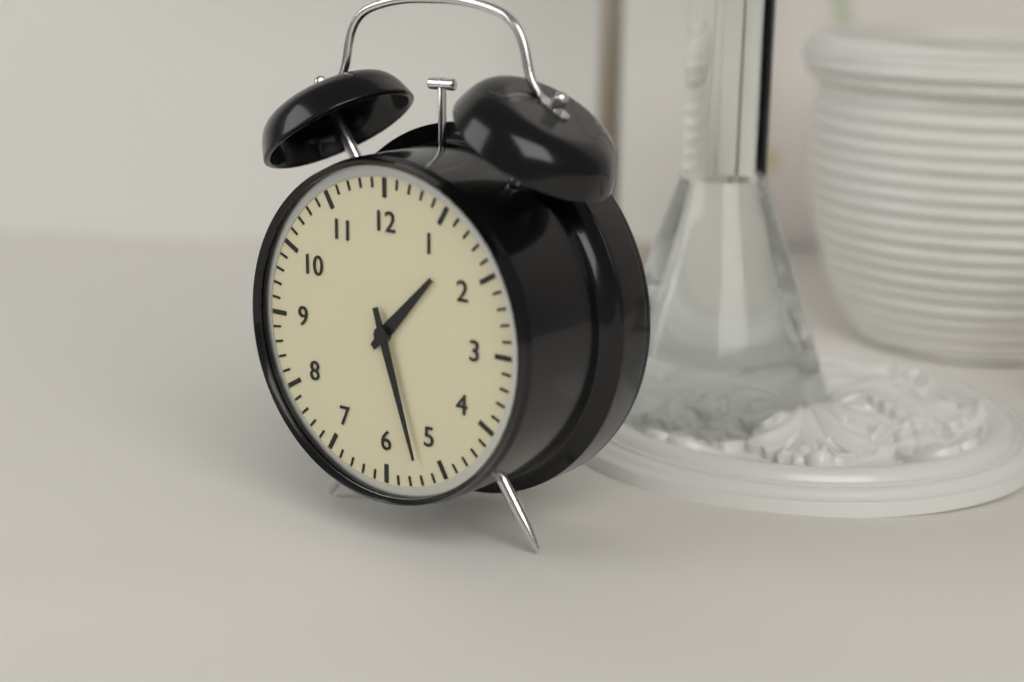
1:27
